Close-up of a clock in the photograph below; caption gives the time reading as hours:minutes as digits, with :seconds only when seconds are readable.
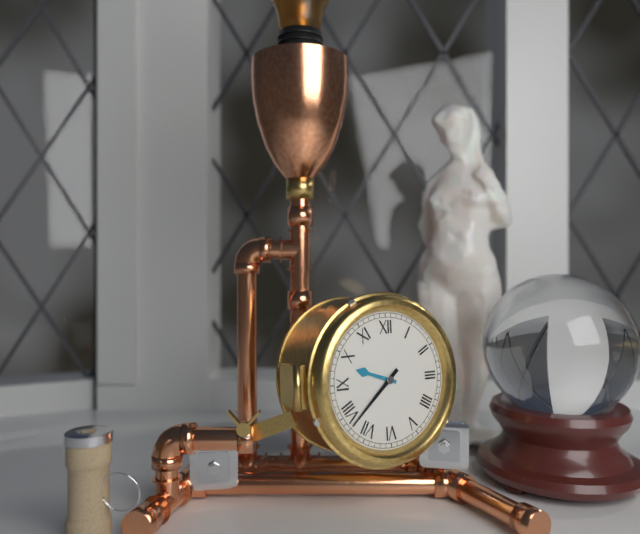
9:38
